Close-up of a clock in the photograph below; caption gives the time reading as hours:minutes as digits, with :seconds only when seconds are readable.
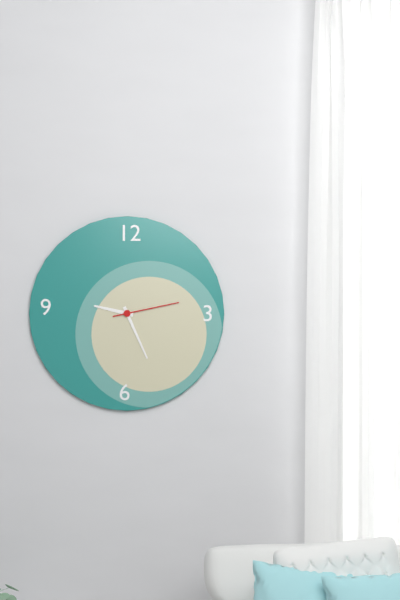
9:26:13
